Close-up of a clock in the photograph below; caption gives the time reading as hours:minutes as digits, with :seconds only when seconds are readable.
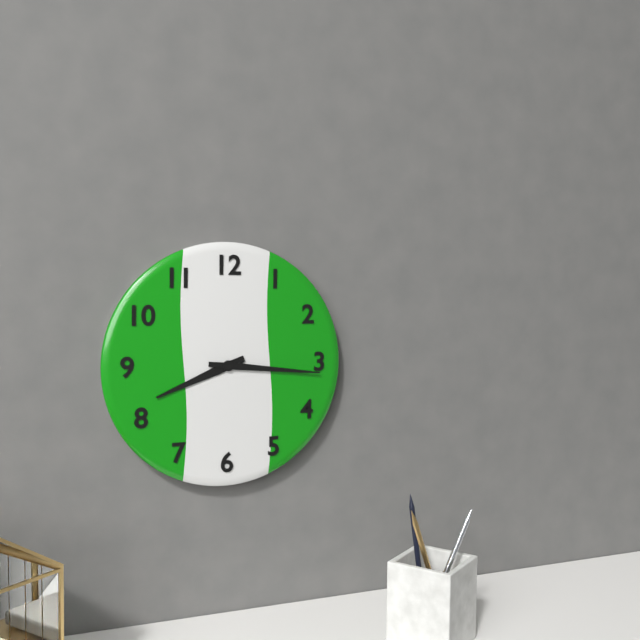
8:16
